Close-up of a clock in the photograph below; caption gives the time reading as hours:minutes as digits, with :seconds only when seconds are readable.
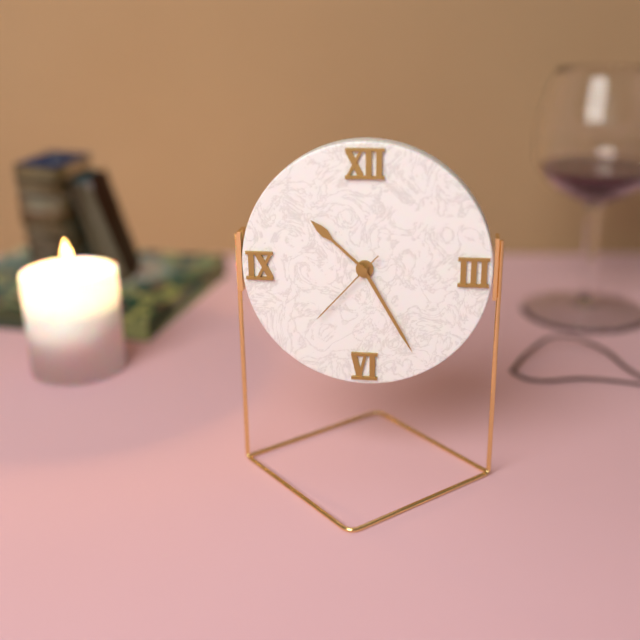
10:25:37
